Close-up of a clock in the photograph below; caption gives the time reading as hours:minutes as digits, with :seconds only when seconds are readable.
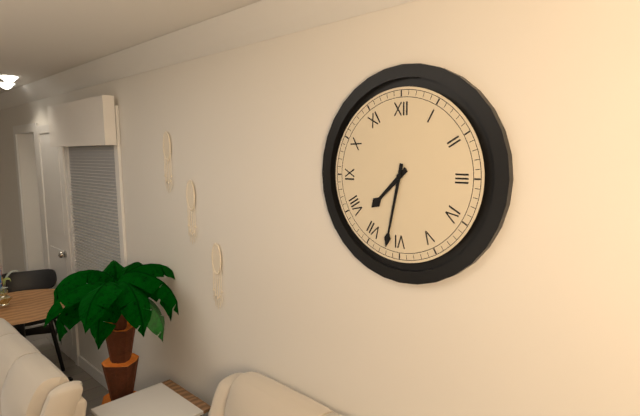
7:32
